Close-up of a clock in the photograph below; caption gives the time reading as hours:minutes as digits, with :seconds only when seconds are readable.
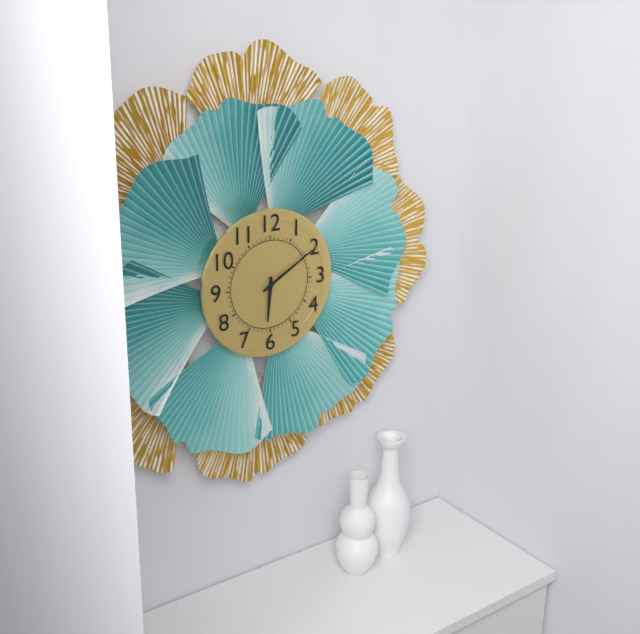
6:10
